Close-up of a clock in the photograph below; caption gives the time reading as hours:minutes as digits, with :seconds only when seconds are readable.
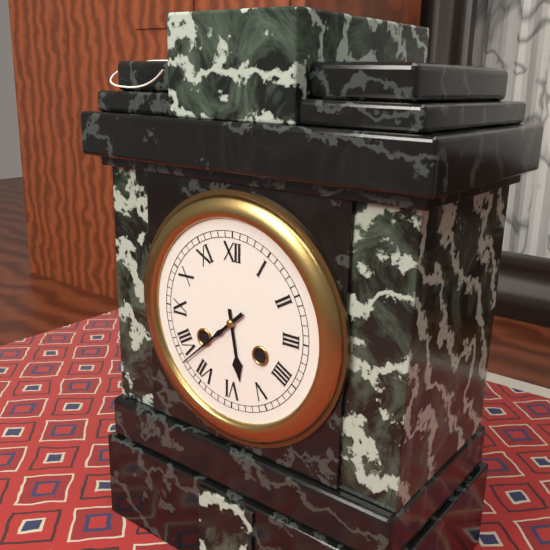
5:38
